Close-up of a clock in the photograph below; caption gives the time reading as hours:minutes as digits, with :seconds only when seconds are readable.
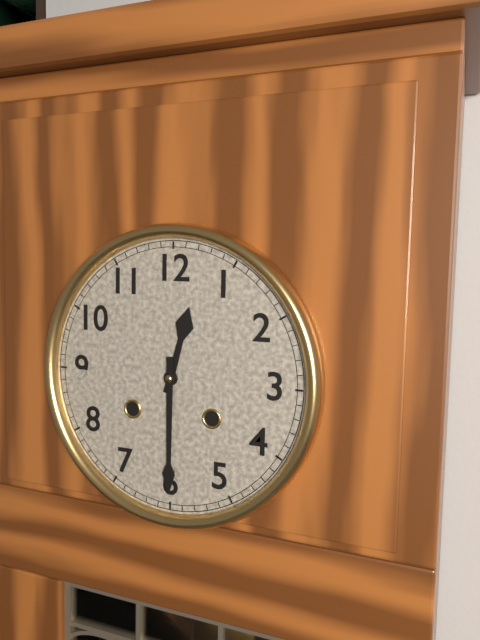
12:30
